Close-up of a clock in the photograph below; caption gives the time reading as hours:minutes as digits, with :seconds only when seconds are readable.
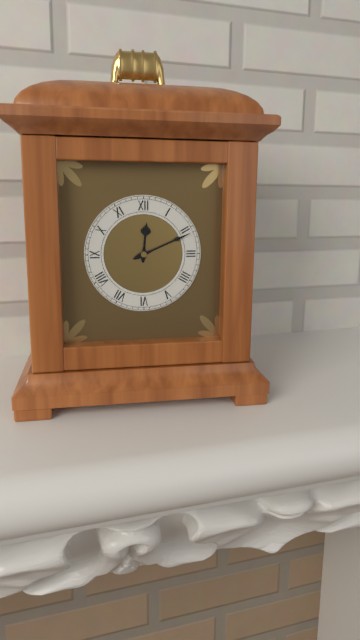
12:11
